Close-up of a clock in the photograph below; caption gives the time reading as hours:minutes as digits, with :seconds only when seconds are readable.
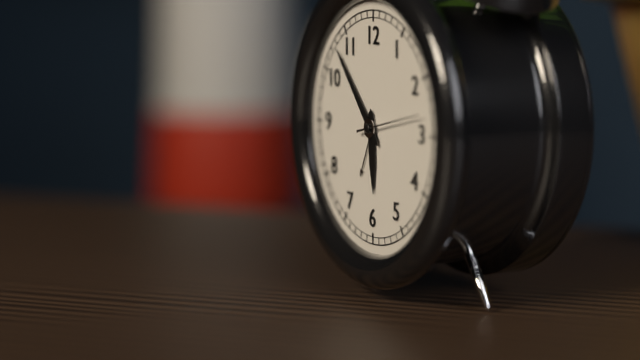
5:53:13
